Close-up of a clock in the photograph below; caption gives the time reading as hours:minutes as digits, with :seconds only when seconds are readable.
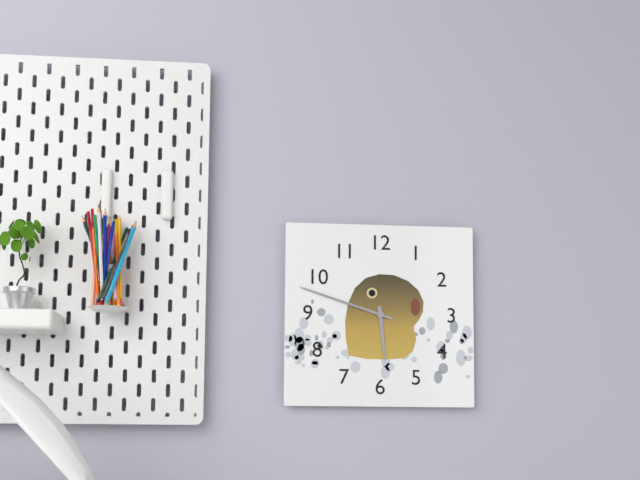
5:48
